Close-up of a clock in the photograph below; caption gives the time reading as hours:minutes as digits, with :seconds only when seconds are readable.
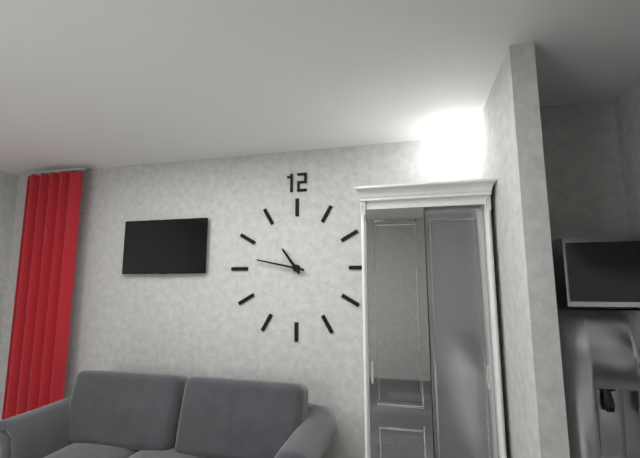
10:47
